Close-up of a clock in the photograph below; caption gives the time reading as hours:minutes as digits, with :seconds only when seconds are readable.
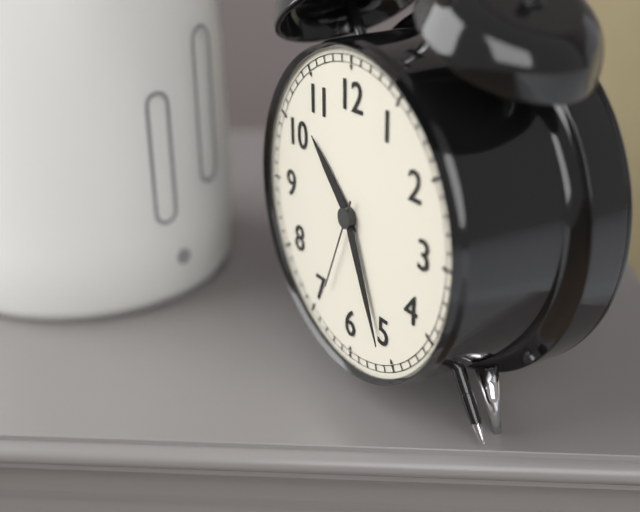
10:26:34
